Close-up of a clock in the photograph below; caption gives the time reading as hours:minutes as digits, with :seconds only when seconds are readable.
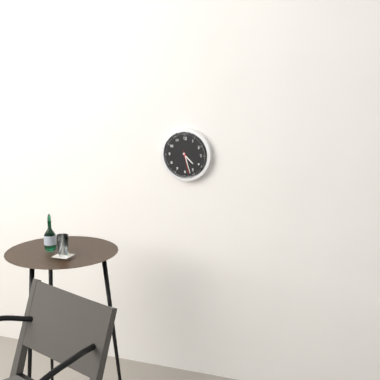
4:27
